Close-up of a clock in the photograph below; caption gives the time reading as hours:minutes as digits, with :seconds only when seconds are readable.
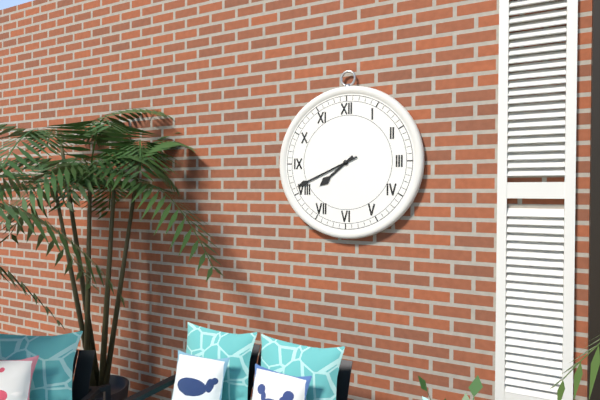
7:41
